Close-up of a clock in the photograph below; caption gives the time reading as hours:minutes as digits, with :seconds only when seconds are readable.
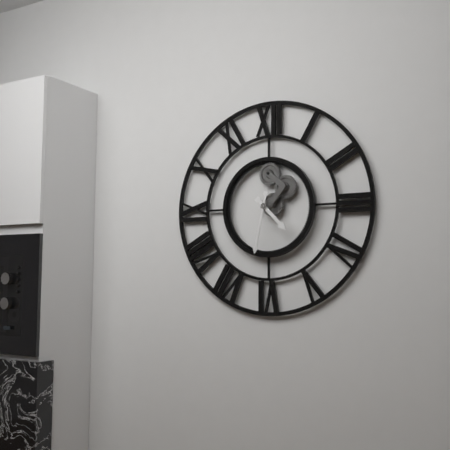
4:32
